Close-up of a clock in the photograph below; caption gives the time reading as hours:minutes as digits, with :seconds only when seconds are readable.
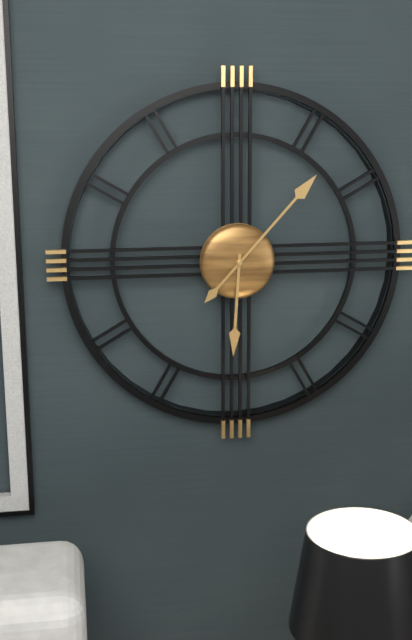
6:07
